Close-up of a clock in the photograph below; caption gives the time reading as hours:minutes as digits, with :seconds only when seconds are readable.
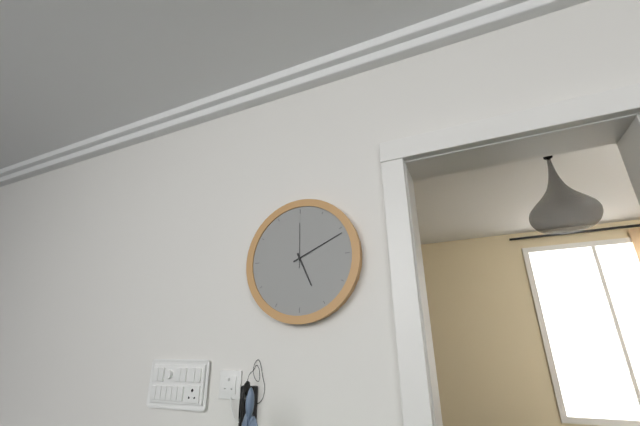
5:11
